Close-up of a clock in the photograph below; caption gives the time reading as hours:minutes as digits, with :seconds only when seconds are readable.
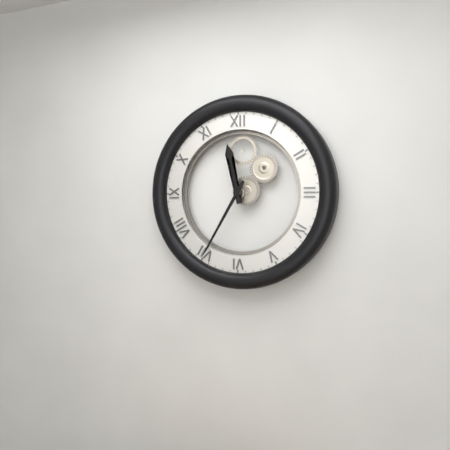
11:35
